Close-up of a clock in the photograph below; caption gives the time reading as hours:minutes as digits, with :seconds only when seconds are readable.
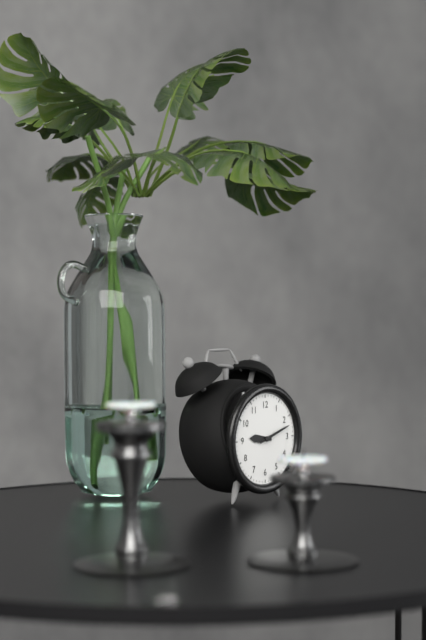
9:12
